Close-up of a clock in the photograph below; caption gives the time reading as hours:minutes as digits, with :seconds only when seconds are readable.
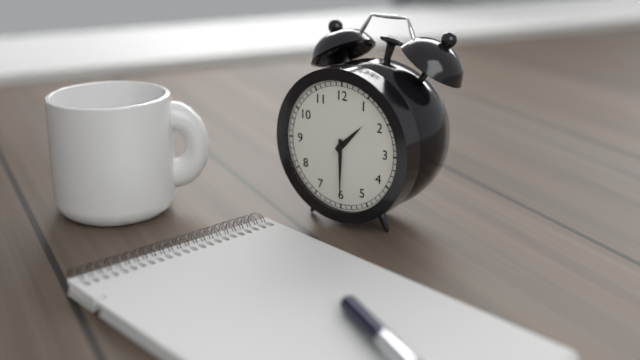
1:30
